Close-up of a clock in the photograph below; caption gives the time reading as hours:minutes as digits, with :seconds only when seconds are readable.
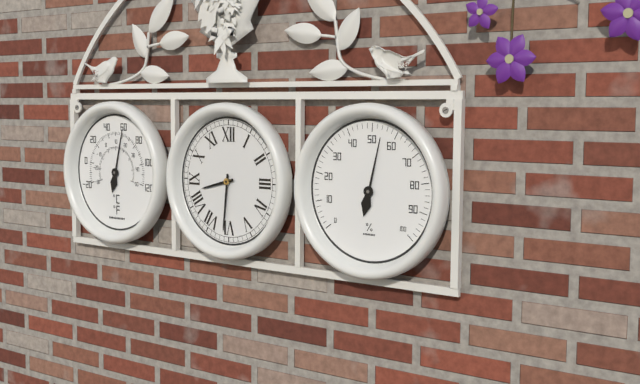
8:31
